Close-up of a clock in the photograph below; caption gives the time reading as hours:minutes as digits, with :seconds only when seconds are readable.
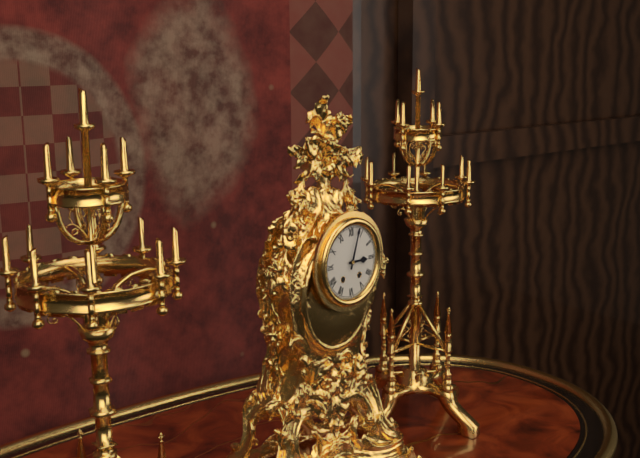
3:03
